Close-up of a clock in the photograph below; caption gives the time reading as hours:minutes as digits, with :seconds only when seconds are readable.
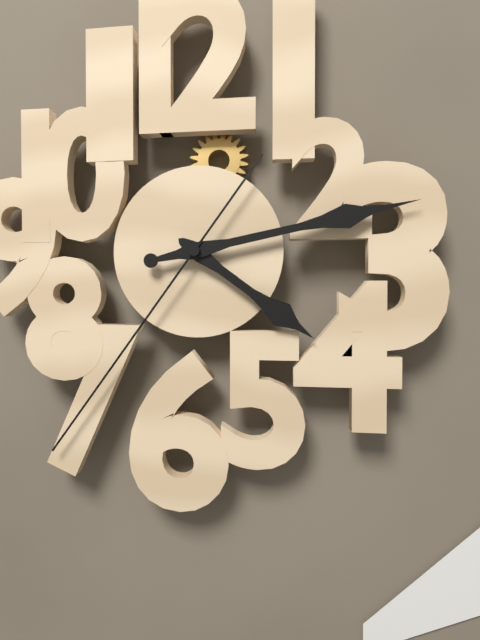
4:13:36
